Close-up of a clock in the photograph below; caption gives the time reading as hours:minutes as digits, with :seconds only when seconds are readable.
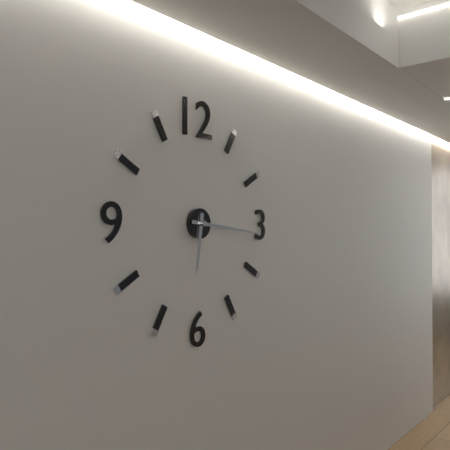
6:16
